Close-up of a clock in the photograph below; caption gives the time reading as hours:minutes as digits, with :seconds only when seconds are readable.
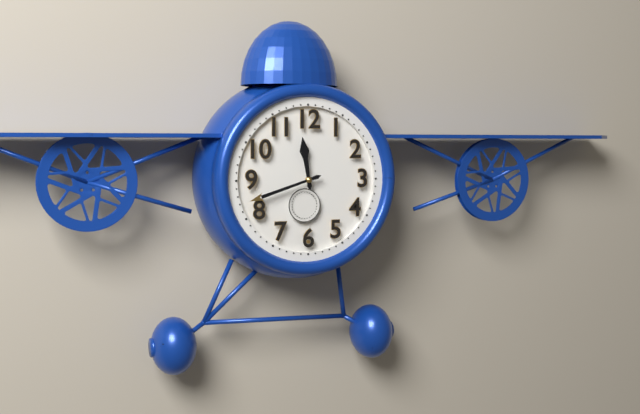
11:42
